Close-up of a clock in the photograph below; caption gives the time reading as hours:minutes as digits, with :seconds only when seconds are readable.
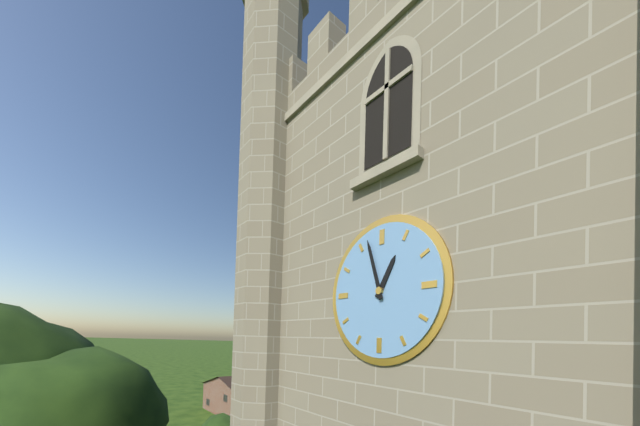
12:57
